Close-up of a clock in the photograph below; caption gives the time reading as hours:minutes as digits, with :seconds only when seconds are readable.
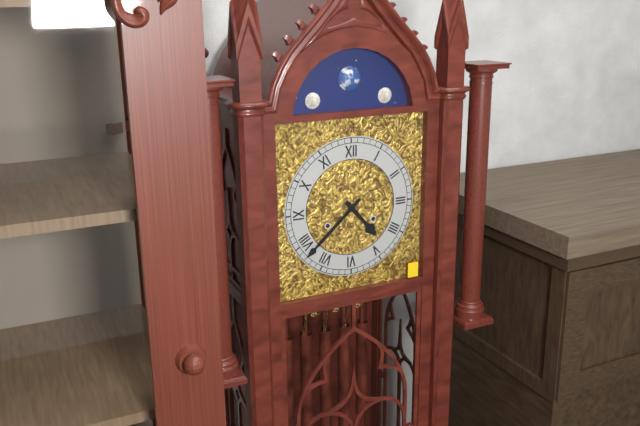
4:38
